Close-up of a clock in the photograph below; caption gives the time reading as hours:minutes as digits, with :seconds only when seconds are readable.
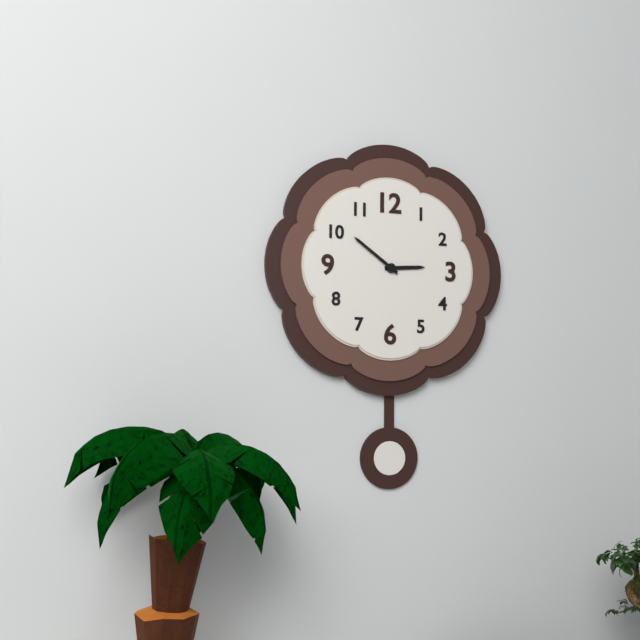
2:51
